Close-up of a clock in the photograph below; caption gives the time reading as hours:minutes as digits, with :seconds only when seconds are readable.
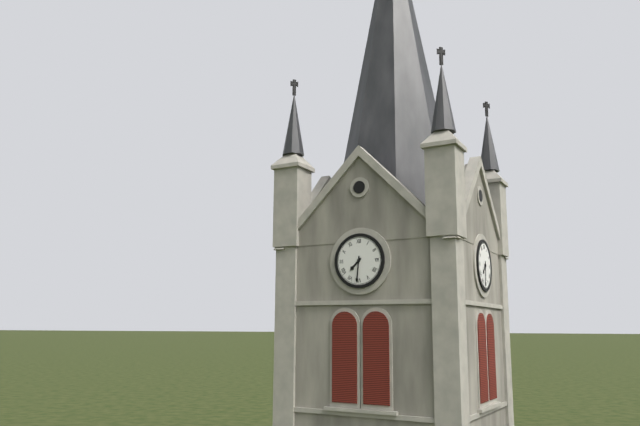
7:31
